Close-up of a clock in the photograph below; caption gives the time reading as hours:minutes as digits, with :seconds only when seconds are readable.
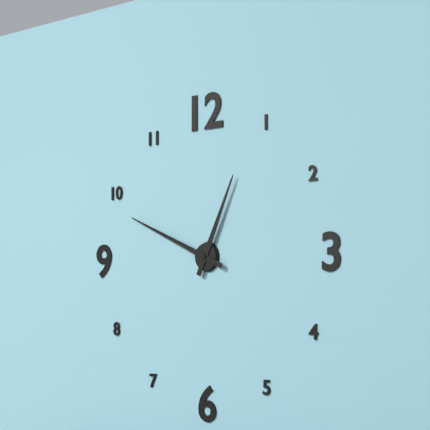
12:49
